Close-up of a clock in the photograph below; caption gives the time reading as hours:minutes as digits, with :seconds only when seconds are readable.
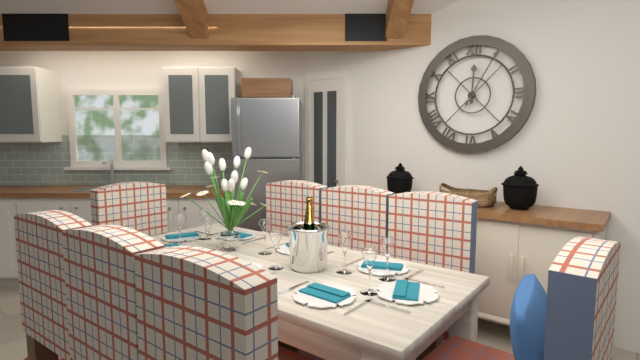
12:05
